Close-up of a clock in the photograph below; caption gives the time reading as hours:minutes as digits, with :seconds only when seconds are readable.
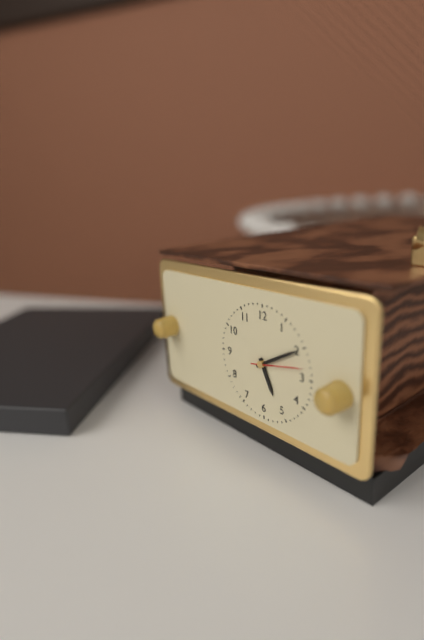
5:10
